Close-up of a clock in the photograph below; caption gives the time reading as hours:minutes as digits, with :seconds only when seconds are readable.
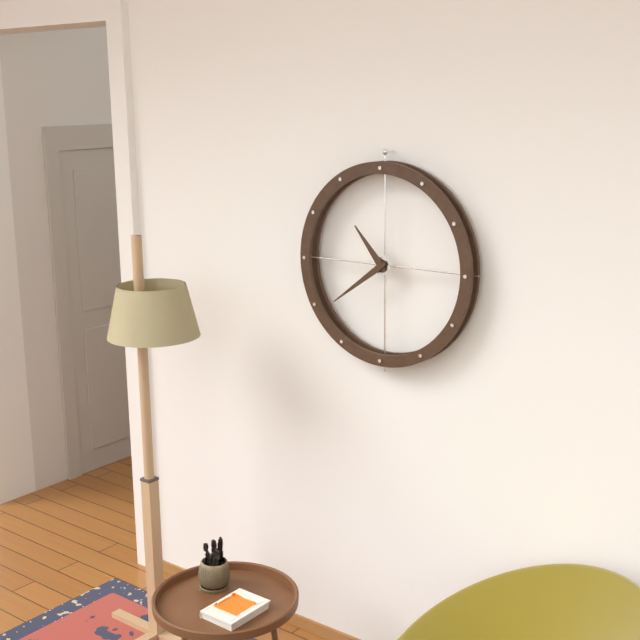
10:39
